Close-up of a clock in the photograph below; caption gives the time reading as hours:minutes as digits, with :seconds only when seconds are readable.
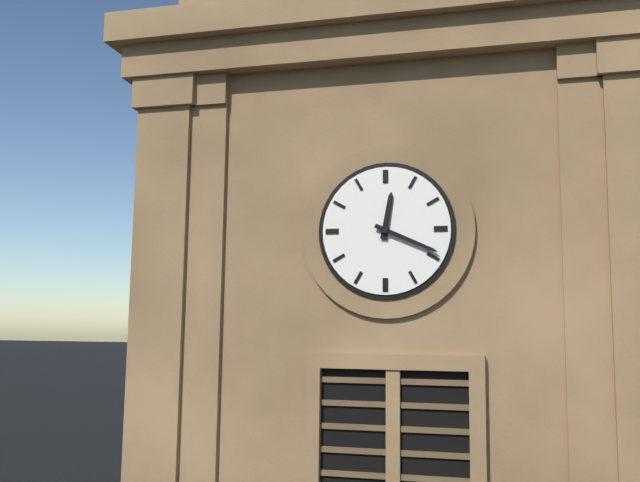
12:19
